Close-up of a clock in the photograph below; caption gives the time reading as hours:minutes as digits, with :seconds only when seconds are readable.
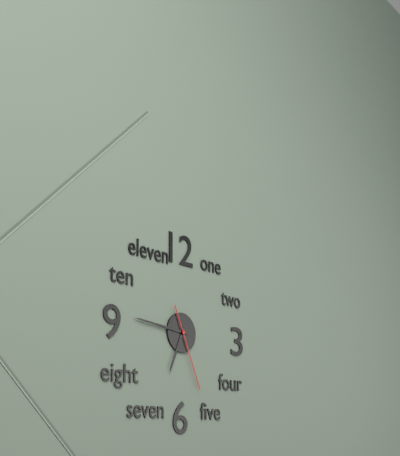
6:46:26
